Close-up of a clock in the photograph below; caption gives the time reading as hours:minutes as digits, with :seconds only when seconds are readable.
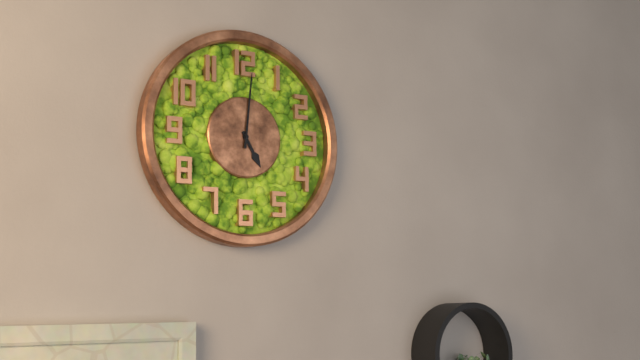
5:01
